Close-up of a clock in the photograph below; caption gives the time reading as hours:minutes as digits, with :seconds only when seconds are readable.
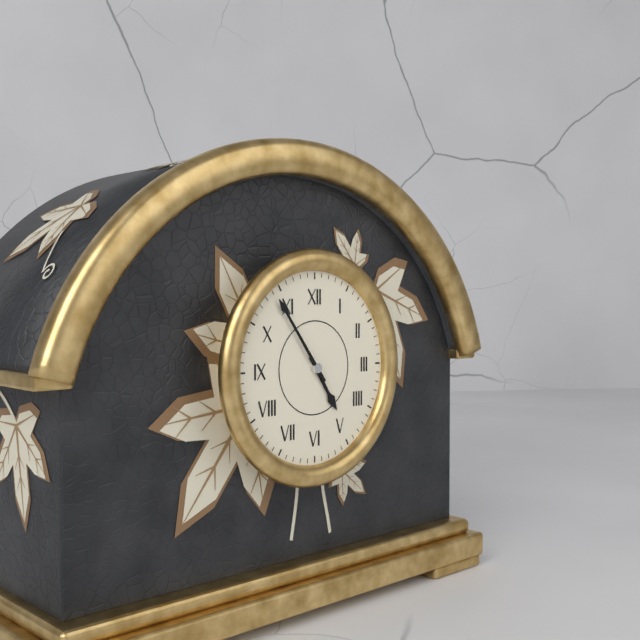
4:54
